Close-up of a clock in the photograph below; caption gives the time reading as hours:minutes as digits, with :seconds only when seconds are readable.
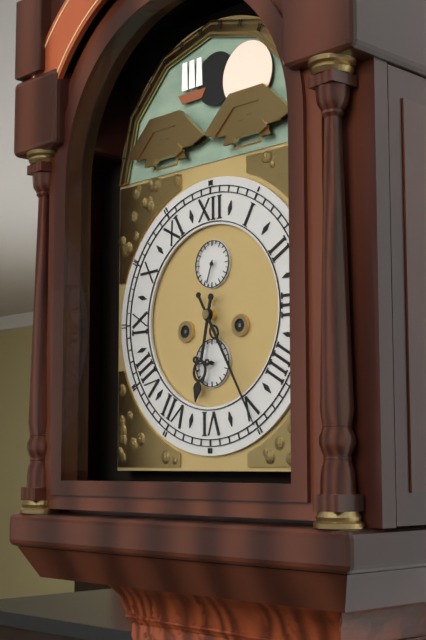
6:25
